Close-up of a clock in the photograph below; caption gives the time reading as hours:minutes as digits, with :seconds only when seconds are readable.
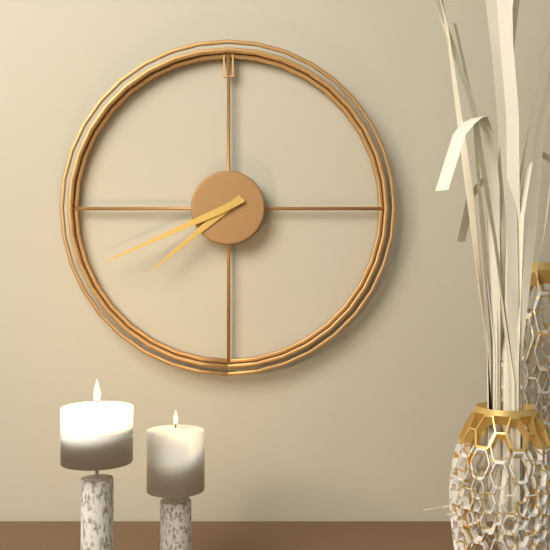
7:41
